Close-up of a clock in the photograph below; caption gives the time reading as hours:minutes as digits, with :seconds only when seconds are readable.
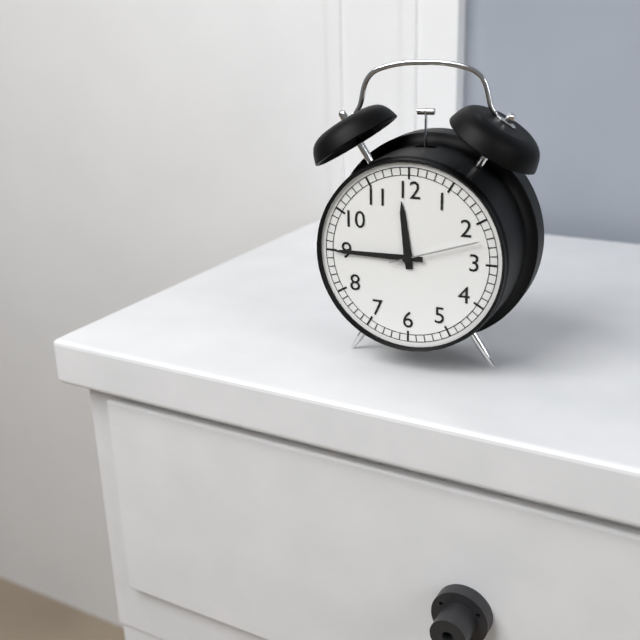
11:45:12
